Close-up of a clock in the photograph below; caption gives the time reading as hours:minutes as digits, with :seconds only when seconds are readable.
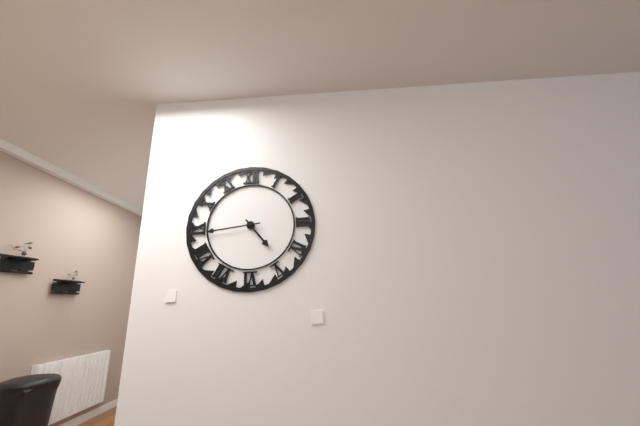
4:44
